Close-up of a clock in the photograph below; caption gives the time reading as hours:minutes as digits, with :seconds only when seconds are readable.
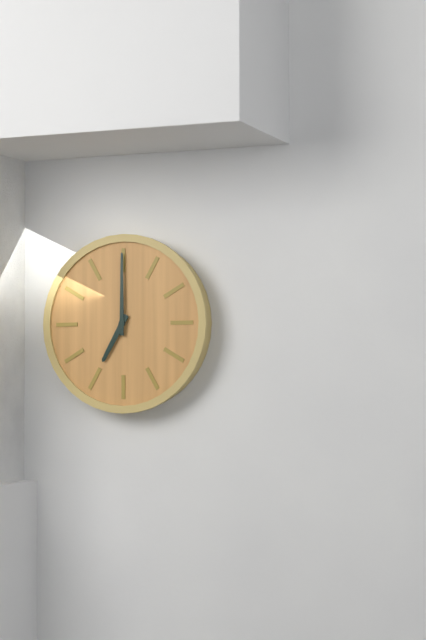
7:00
